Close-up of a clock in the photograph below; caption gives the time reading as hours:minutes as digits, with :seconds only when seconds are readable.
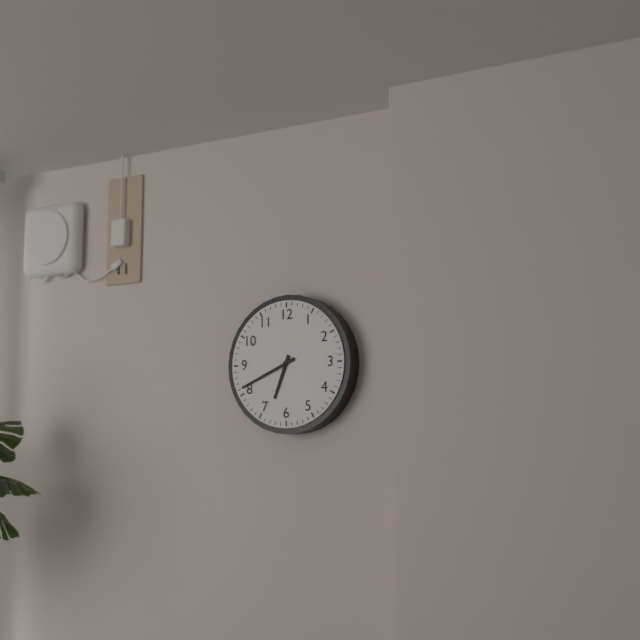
6:41
